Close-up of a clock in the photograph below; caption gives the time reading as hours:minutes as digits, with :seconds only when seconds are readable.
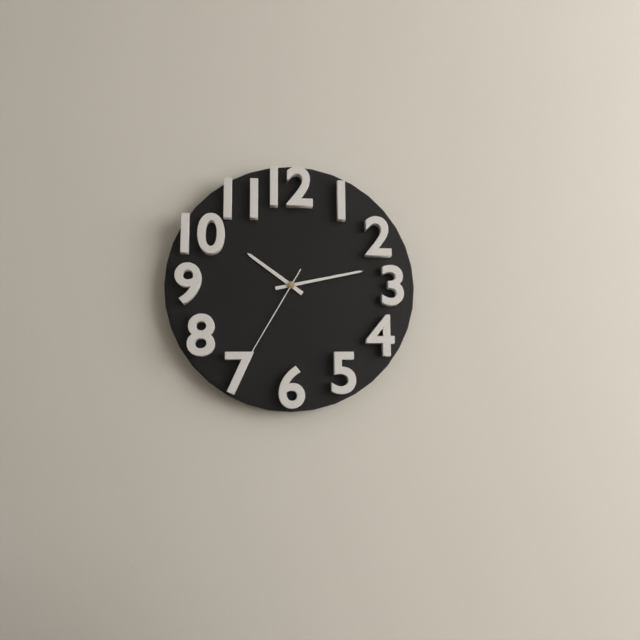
10:13:35
